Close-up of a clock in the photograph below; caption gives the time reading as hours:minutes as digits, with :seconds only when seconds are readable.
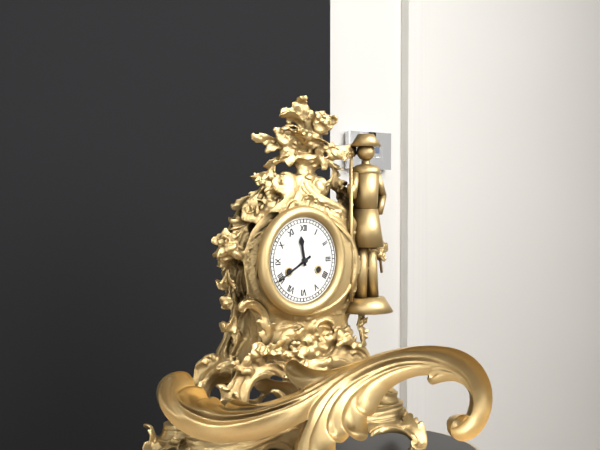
11:40
